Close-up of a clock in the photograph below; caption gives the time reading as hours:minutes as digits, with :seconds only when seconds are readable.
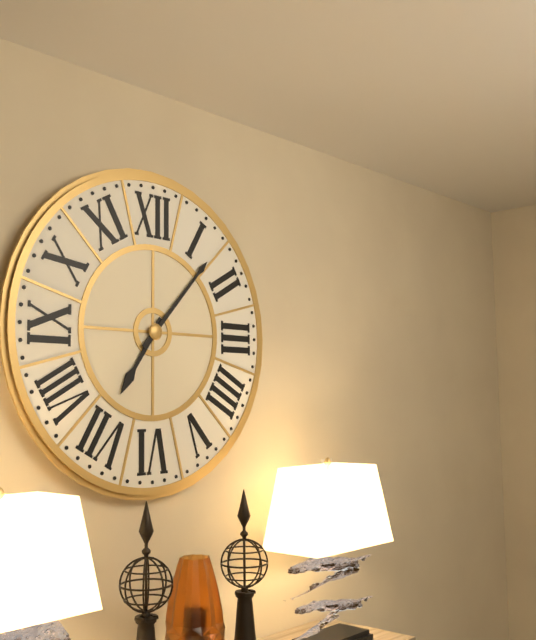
7:07
